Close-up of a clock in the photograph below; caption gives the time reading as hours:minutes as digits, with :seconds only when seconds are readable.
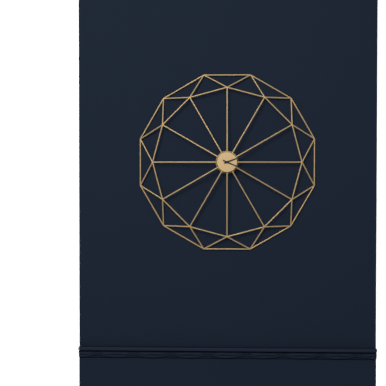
2:19
